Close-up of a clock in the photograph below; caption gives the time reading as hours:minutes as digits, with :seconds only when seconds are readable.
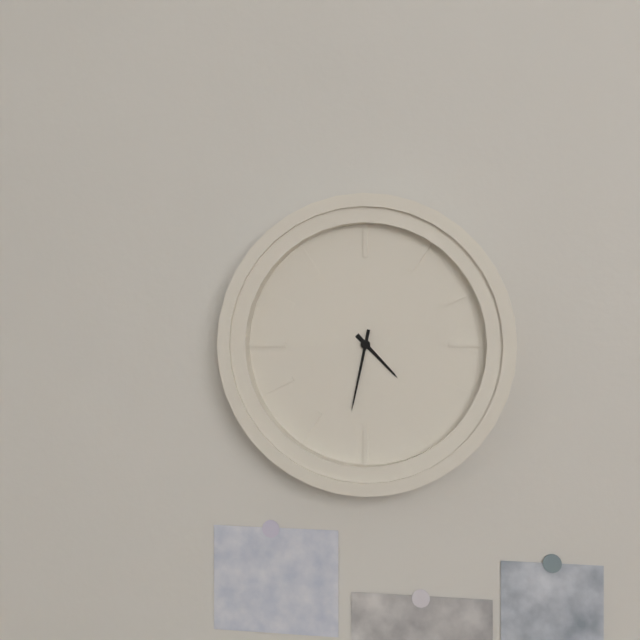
4:32
